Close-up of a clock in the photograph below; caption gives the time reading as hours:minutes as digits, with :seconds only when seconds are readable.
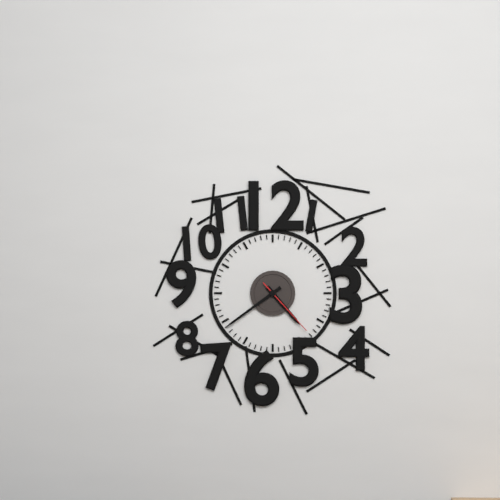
4:39:23
